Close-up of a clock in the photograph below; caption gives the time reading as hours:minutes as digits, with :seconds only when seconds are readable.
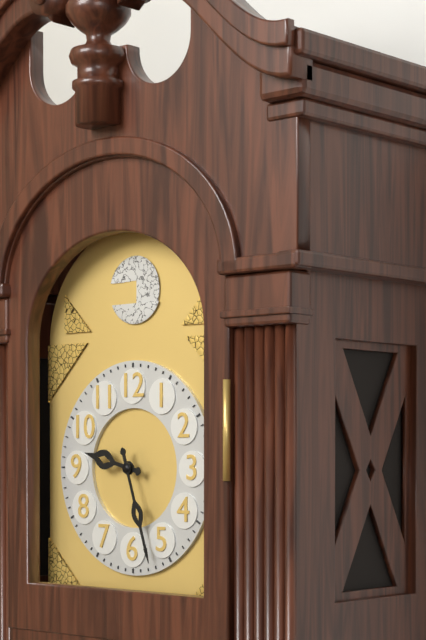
9:27
